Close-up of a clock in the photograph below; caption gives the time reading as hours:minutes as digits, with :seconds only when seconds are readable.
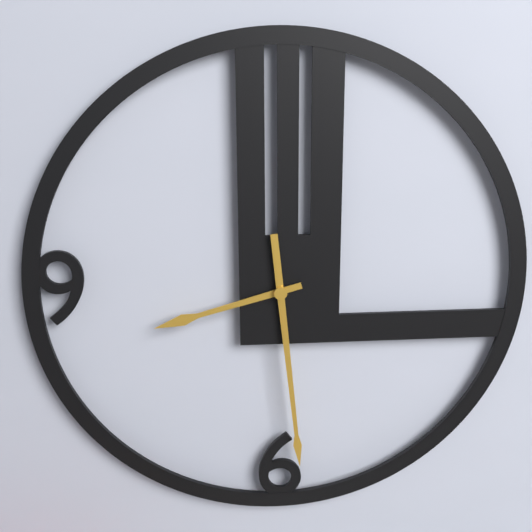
8:29
